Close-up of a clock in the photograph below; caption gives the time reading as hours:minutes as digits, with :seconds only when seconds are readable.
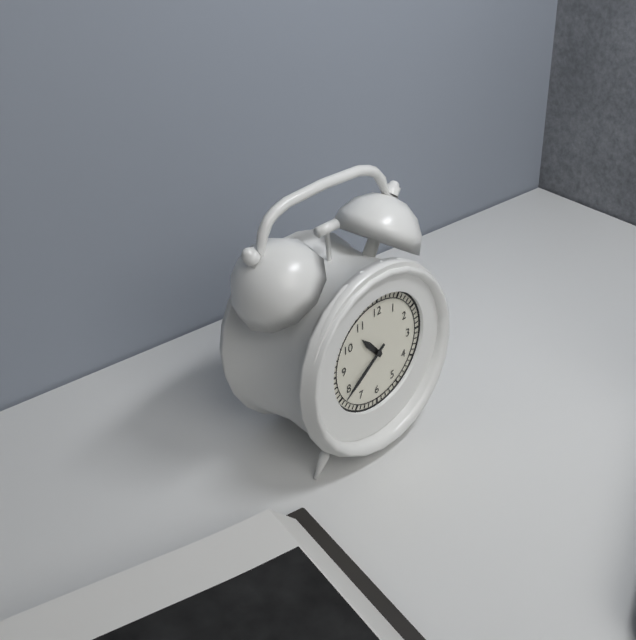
10:39
